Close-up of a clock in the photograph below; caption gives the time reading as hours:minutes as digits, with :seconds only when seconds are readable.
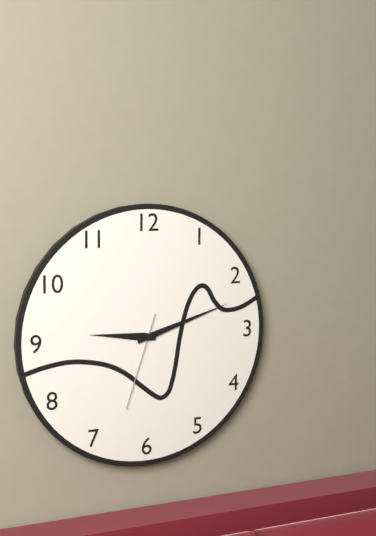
9:12:33
